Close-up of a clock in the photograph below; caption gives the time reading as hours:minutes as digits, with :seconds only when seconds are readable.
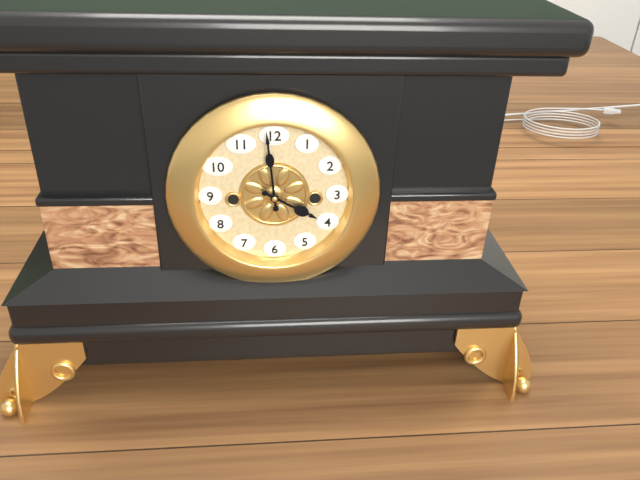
3:59
